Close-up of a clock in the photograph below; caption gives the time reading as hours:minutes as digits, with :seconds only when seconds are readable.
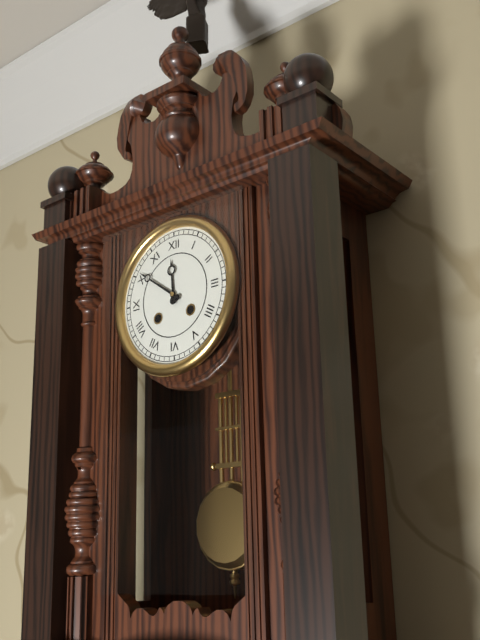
11:51
